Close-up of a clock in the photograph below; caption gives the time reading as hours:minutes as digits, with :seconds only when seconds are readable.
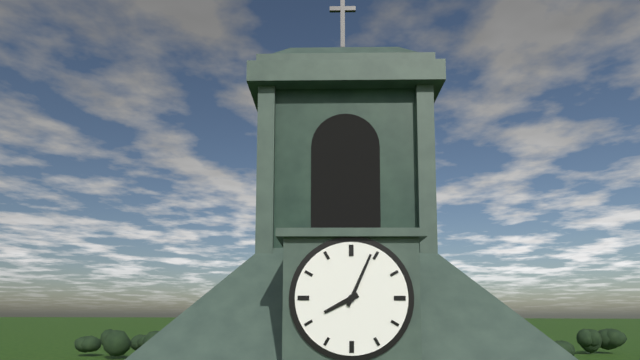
8:04
